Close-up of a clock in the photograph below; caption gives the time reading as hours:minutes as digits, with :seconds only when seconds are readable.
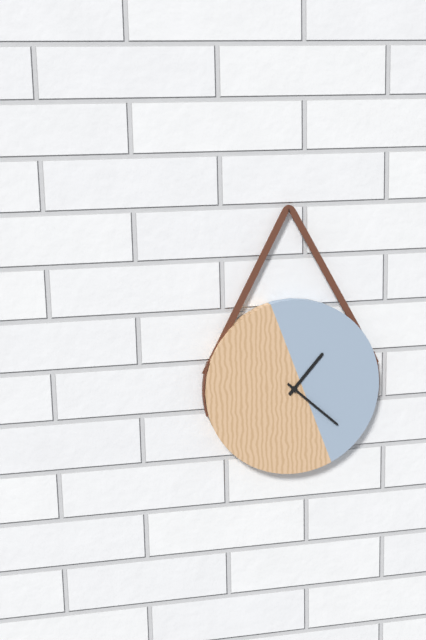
1:22
